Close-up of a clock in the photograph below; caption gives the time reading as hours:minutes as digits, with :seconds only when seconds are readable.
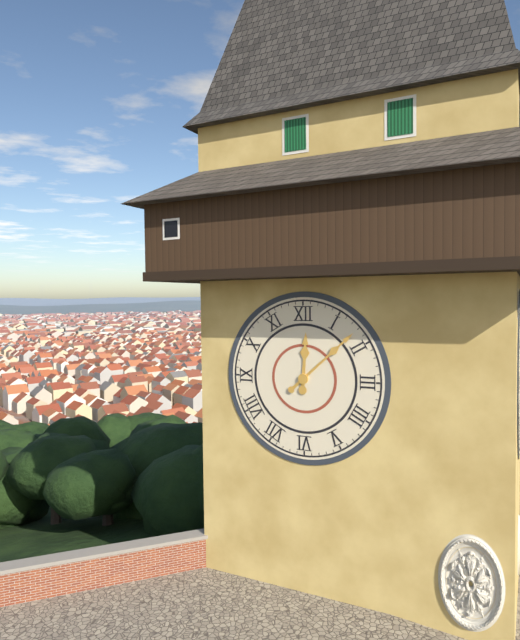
12:08
